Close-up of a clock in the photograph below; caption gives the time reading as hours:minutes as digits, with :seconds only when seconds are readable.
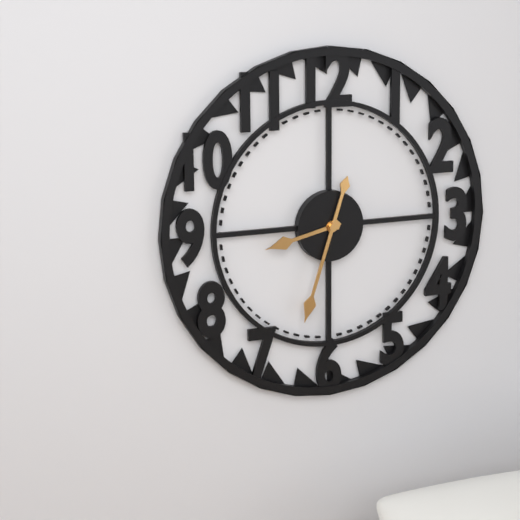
8:33
